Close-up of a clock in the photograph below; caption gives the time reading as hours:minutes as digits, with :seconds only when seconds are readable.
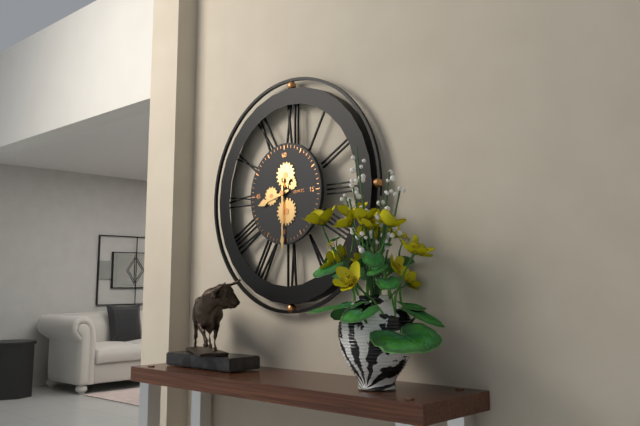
8:30
